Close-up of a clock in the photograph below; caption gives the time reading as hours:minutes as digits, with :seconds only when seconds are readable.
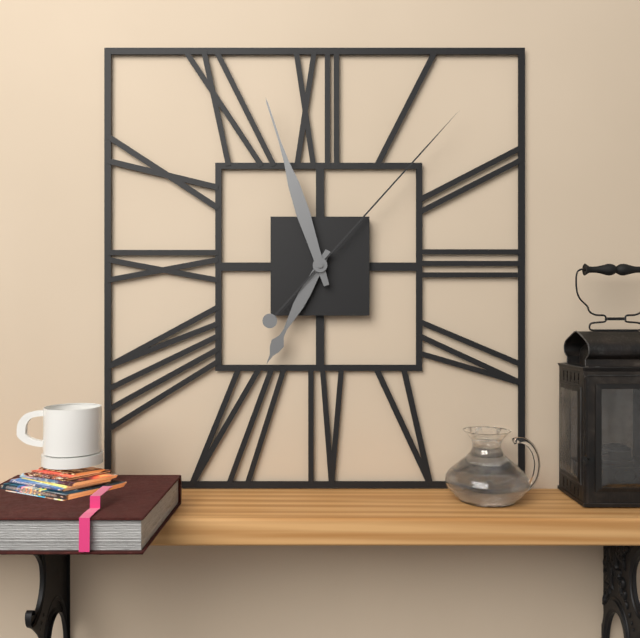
6:57:07
